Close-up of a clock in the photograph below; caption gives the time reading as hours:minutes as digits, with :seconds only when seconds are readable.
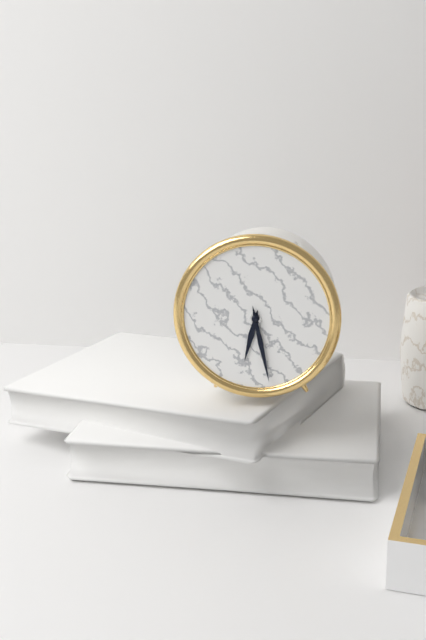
6:28
